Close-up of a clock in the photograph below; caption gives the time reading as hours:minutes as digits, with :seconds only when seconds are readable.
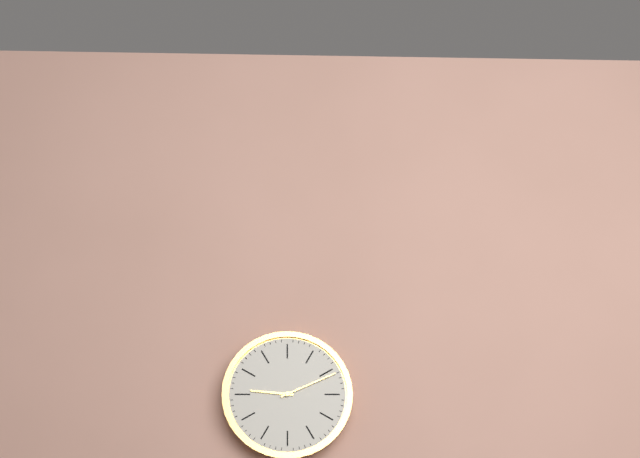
9:11
